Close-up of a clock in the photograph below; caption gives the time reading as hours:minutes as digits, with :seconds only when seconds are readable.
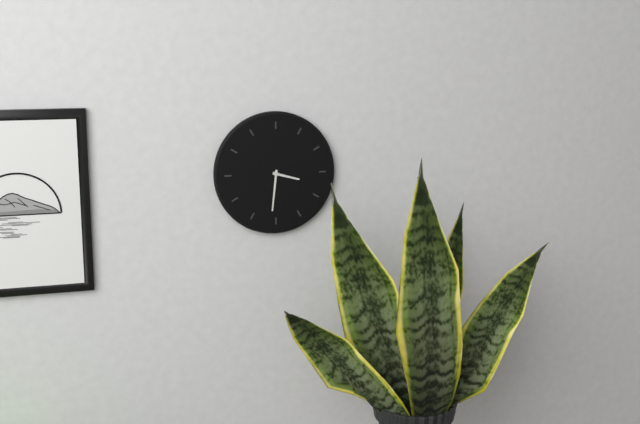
3:31
